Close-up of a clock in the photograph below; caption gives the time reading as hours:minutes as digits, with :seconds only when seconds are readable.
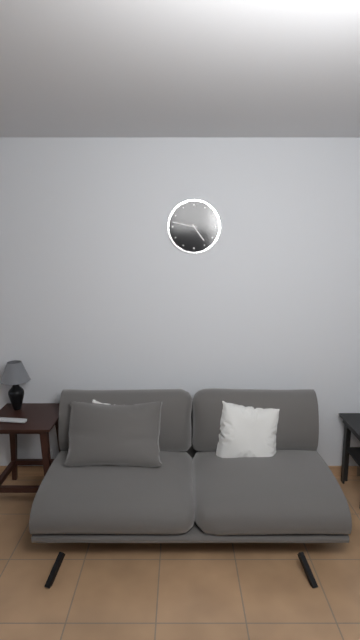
4:47
